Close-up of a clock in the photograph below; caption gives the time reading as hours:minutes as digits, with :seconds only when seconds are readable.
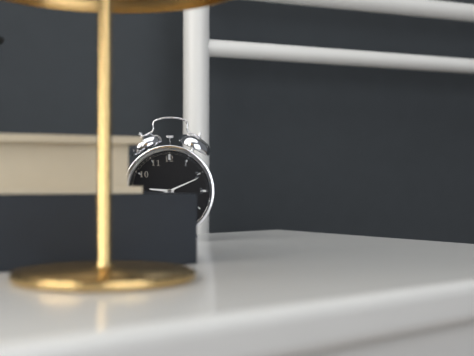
9:11
